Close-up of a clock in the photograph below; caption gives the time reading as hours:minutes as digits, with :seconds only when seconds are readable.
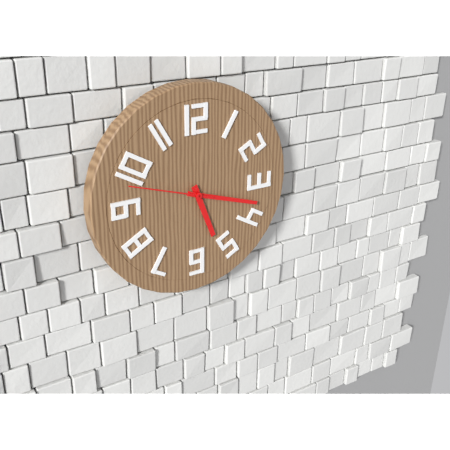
5:18:48
